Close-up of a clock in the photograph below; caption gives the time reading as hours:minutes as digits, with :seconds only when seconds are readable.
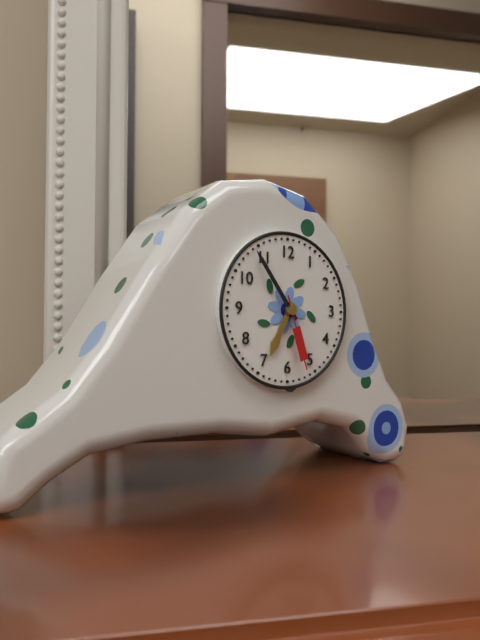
6:54:27
